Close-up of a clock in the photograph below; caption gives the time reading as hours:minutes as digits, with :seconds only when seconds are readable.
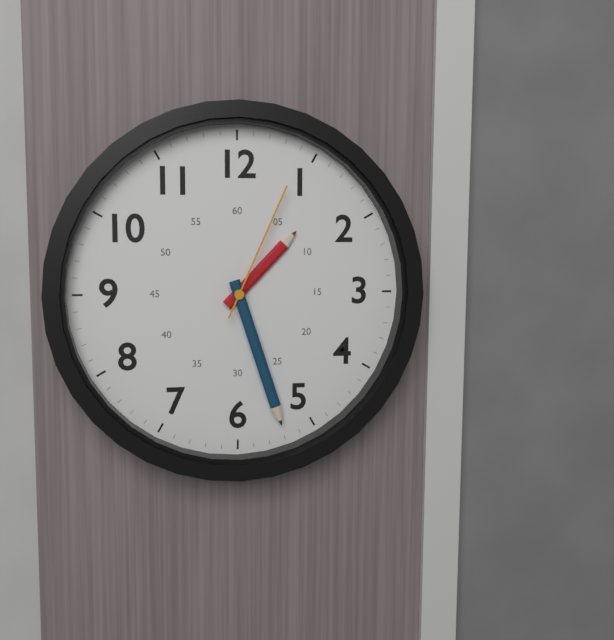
1:27:04
